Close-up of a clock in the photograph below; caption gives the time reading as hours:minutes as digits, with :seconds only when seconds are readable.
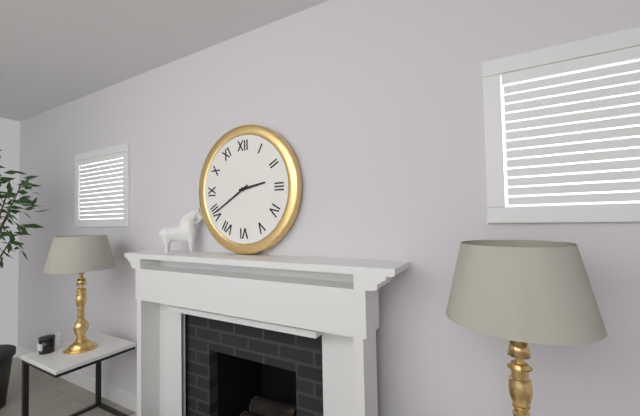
2:40
